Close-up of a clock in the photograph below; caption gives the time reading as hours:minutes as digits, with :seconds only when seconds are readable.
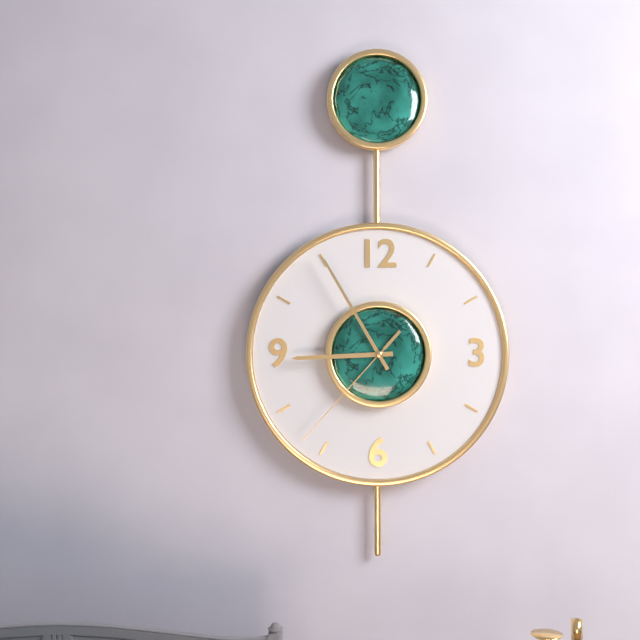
8:55:37
